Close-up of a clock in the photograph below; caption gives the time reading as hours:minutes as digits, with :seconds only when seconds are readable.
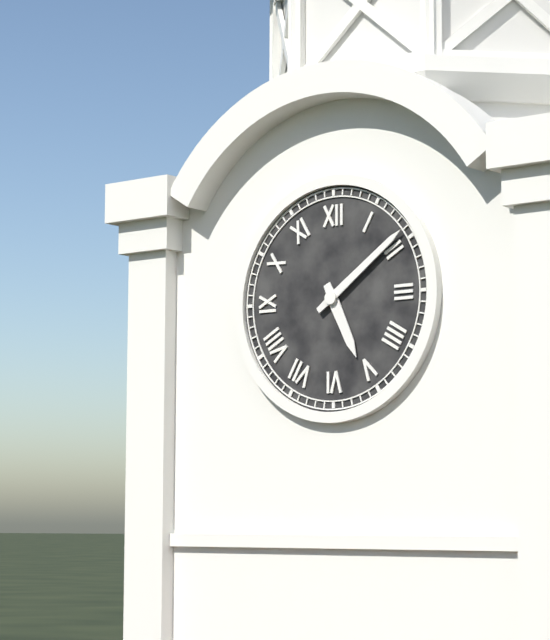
5:09
